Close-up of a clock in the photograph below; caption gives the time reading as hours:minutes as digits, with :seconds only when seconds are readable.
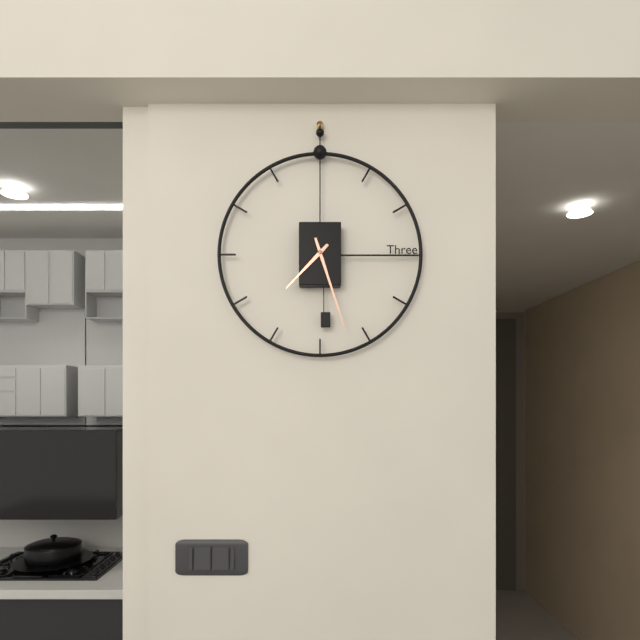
7:27
